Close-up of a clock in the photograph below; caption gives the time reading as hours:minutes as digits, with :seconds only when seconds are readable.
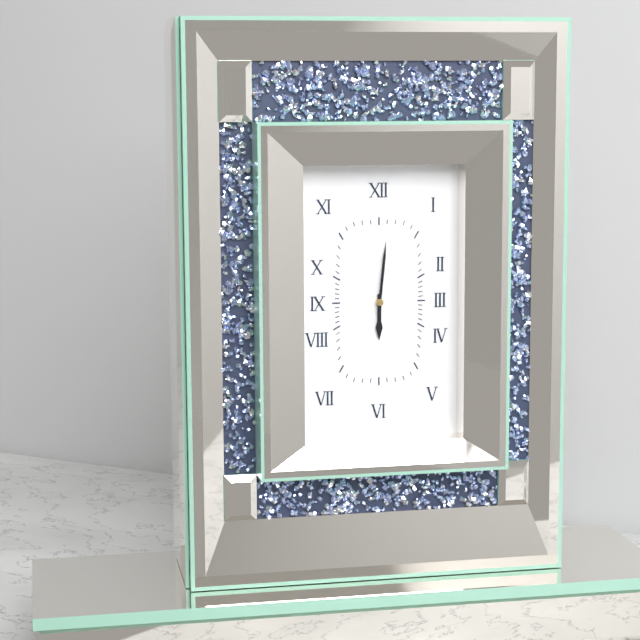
6:01
